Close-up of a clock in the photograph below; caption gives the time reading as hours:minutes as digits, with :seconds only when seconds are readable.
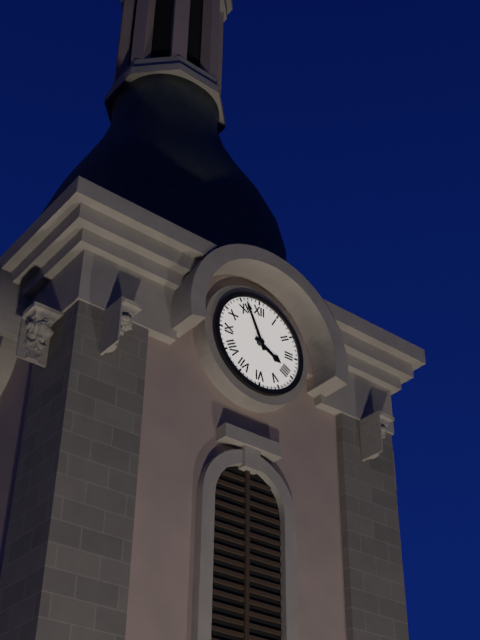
3:56
